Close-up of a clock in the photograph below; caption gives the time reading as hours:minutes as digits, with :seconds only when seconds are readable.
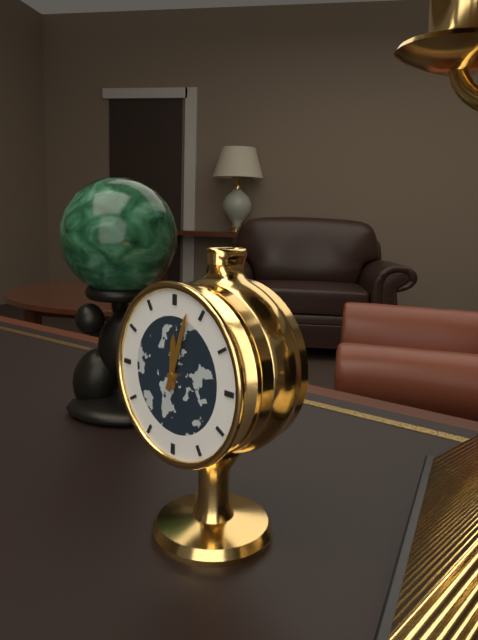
12:03
